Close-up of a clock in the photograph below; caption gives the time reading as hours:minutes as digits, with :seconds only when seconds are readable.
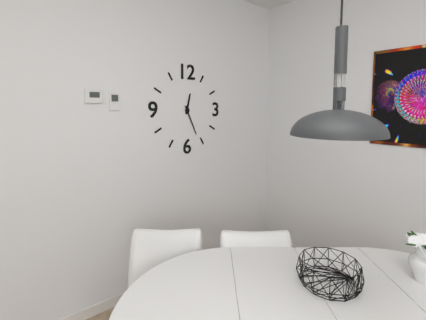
12:26
